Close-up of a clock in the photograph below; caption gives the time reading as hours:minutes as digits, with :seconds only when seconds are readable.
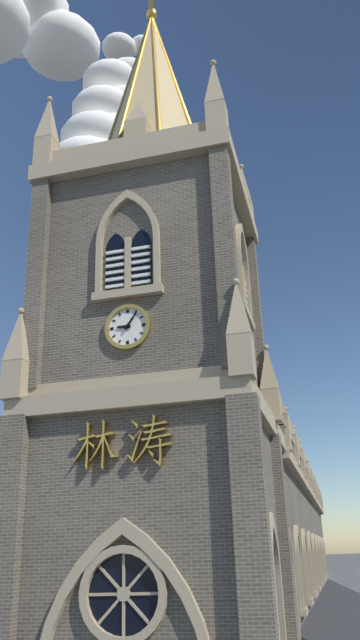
9:06
